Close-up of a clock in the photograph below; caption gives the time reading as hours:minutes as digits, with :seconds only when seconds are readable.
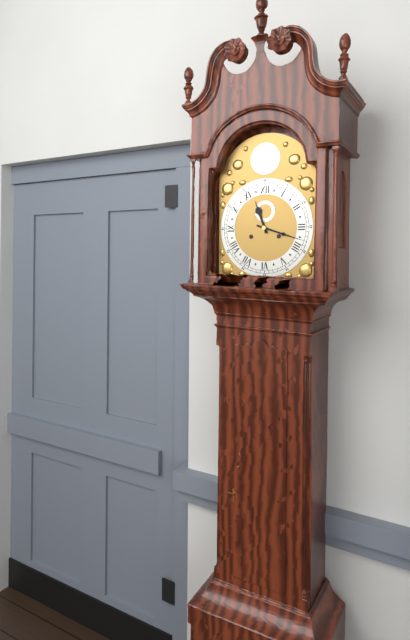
11:18
